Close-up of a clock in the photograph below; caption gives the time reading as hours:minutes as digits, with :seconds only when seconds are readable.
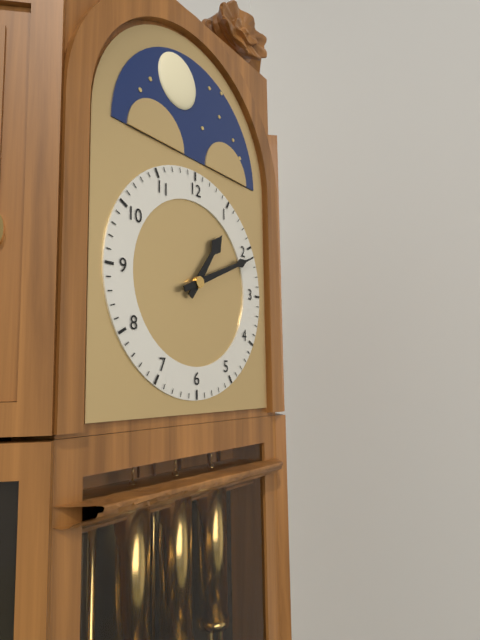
1:11
